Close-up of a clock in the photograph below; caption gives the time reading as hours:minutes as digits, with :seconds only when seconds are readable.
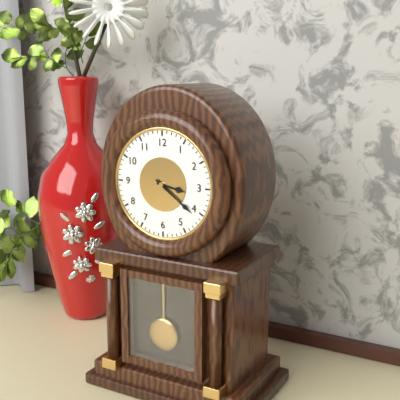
3:21
